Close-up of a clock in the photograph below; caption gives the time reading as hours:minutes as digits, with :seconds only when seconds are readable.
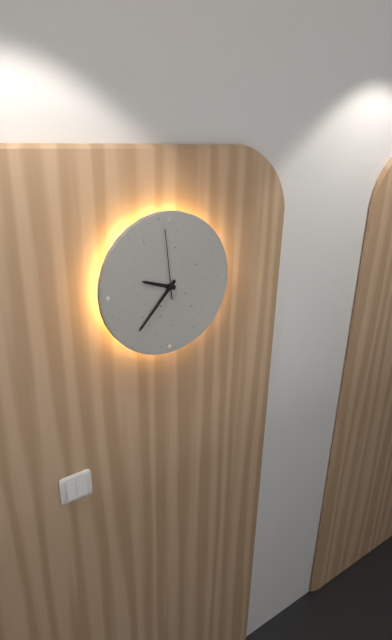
9:37:59
